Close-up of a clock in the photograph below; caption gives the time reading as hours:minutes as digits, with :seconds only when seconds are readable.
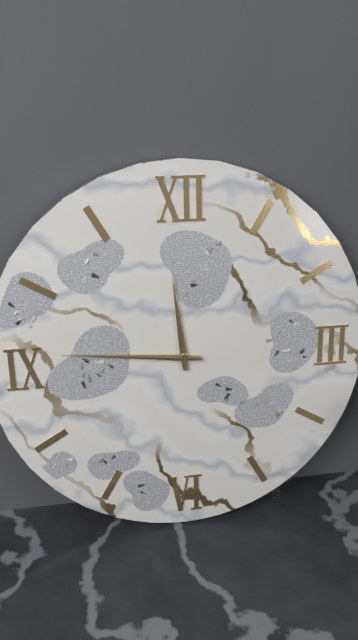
11:46
